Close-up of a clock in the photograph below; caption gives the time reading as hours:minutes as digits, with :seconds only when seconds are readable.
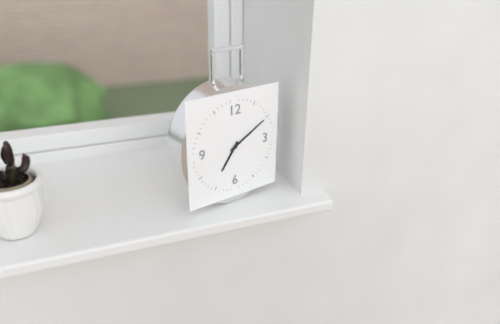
7:10
